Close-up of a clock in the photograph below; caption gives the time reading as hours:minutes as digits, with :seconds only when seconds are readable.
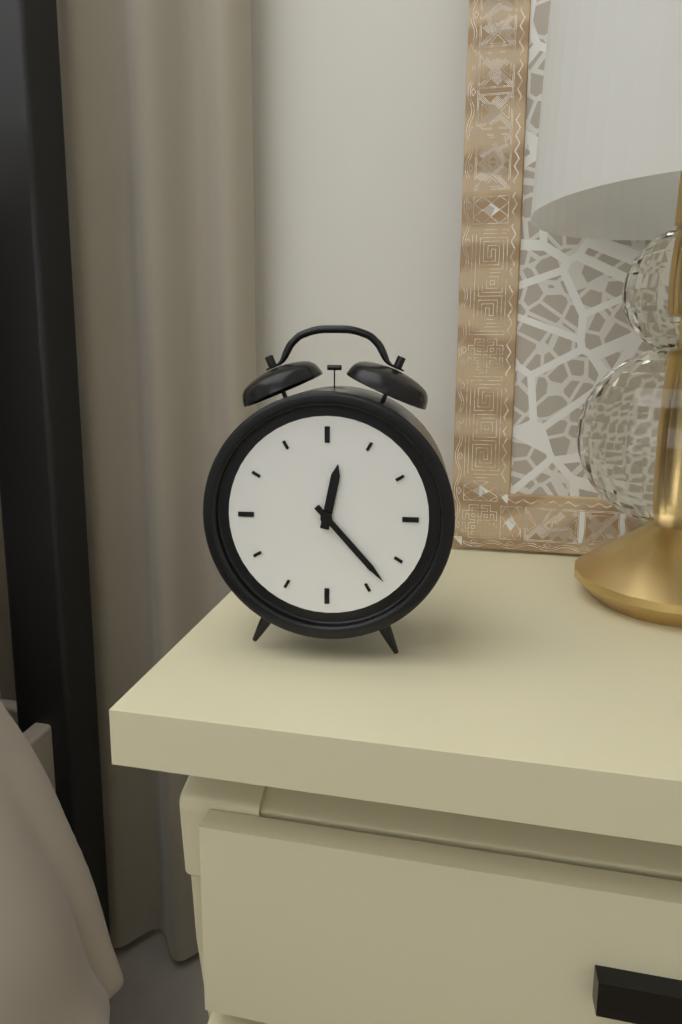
12:23
